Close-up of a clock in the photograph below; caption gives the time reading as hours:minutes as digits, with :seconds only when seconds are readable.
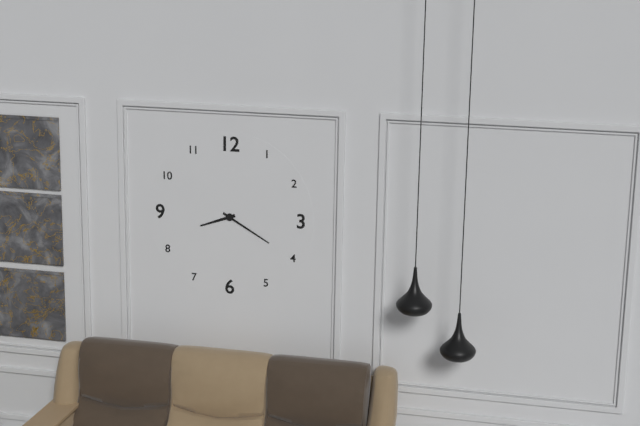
8:20
